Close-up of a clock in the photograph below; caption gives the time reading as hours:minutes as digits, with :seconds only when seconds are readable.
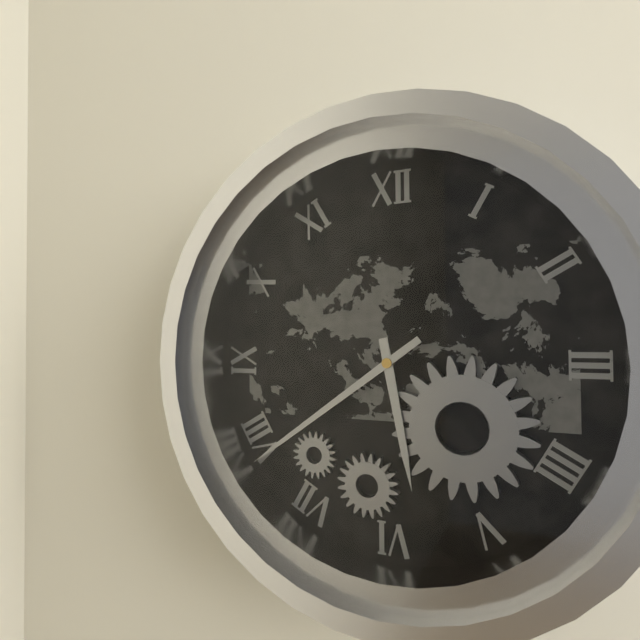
5:39
